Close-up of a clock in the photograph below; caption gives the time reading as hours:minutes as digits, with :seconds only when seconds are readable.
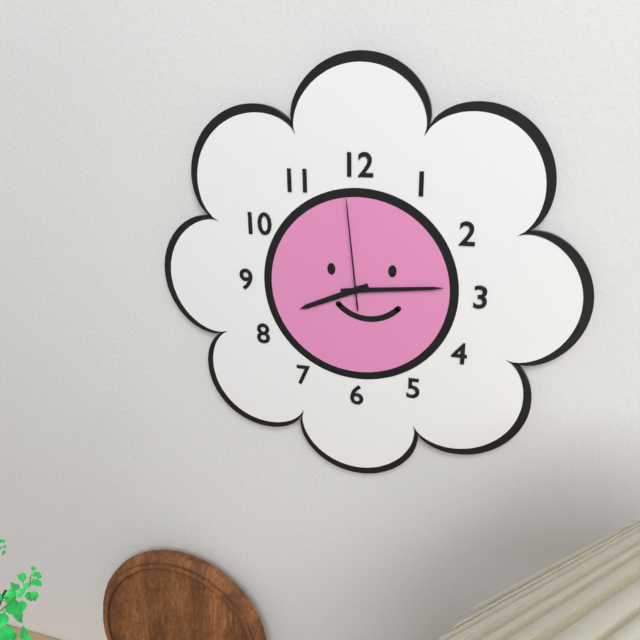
8:14:59
